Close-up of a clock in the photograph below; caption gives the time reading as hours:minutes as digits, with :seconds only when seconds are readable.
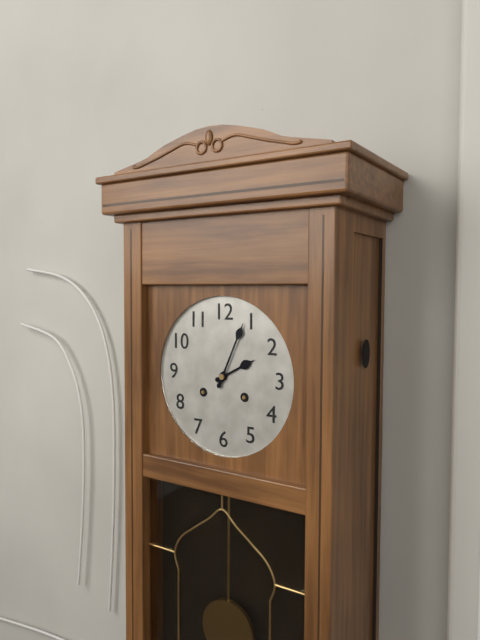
2:04
